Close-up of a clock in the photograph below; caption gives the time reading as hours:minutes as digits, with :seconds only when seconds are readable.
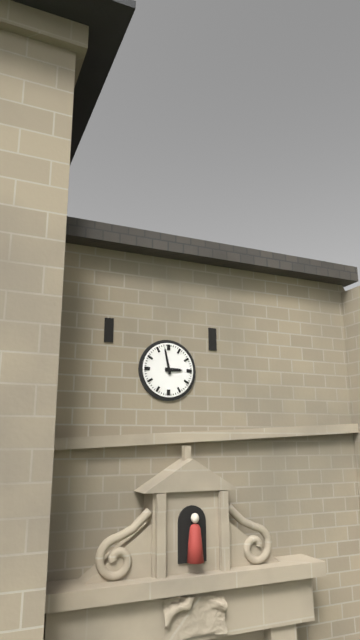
2:58
